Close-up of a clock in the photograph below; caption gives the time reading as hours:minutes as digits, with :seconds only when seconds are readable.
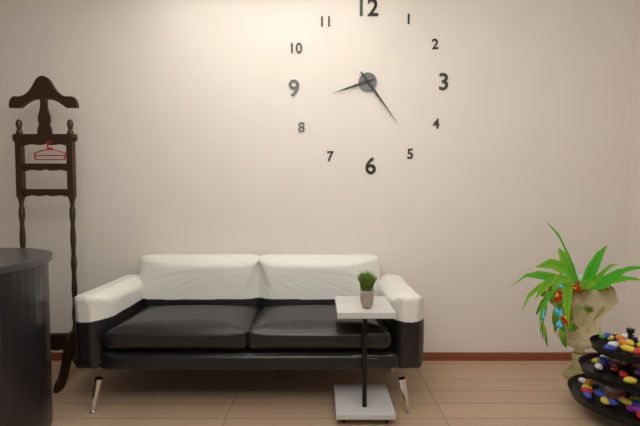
8:24
